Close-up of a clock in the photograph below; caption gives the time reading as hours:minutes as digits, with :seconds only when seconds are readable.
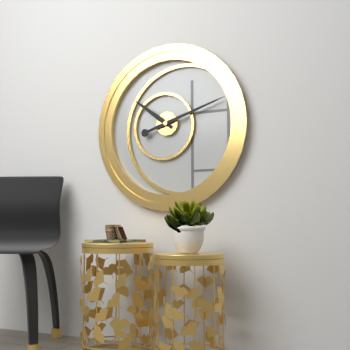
10:12
